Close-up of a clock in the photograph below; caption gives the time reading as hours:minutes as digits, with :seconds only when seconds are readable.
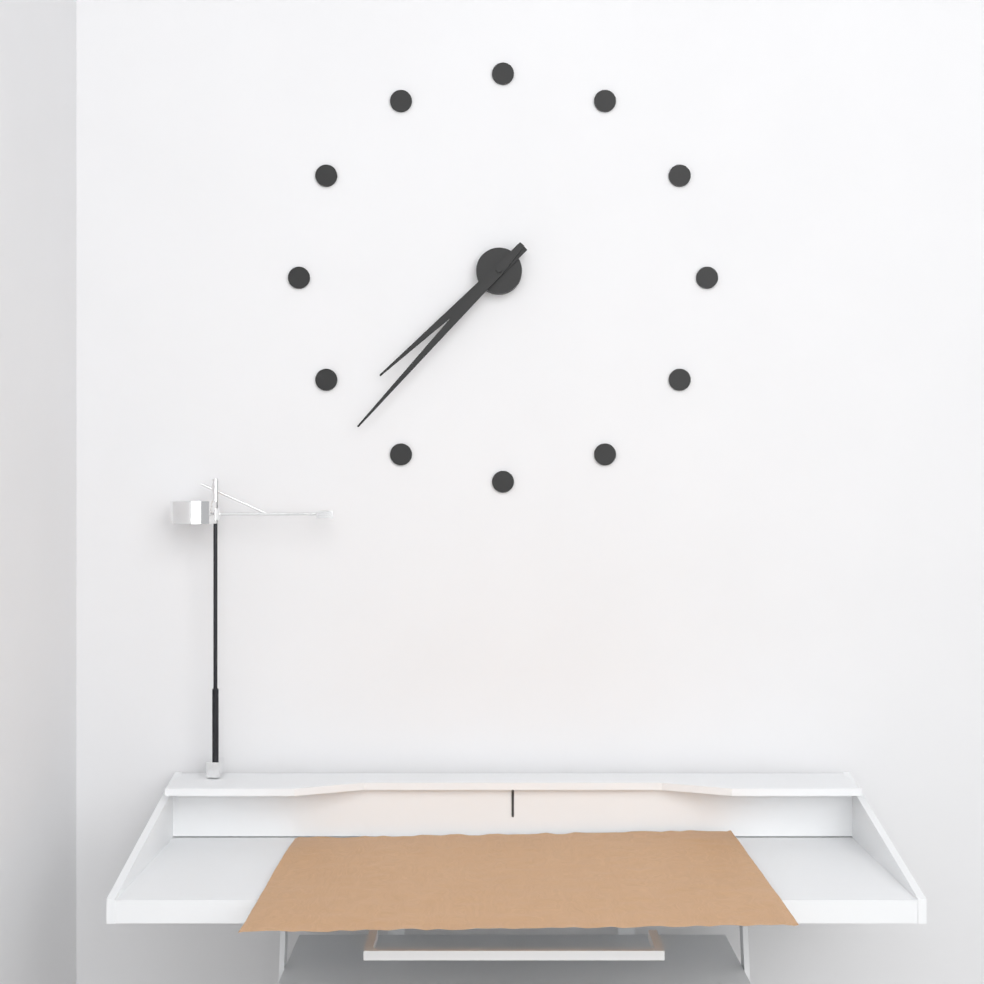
7:37
